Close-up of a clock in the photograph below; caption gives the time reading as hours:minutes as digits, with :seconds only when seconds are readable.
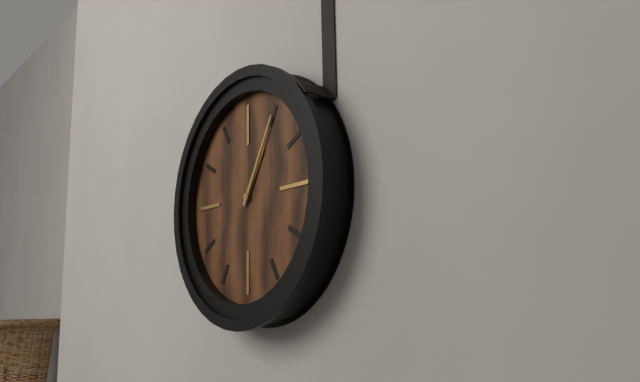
1:05
